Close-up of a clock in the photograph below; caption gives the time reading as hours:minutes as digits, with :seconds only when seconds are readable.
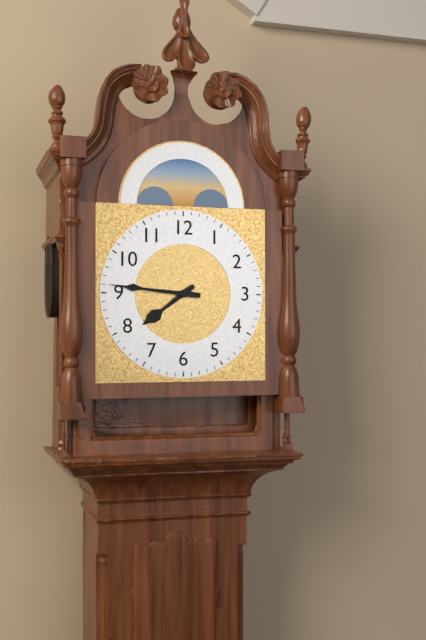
7:46
